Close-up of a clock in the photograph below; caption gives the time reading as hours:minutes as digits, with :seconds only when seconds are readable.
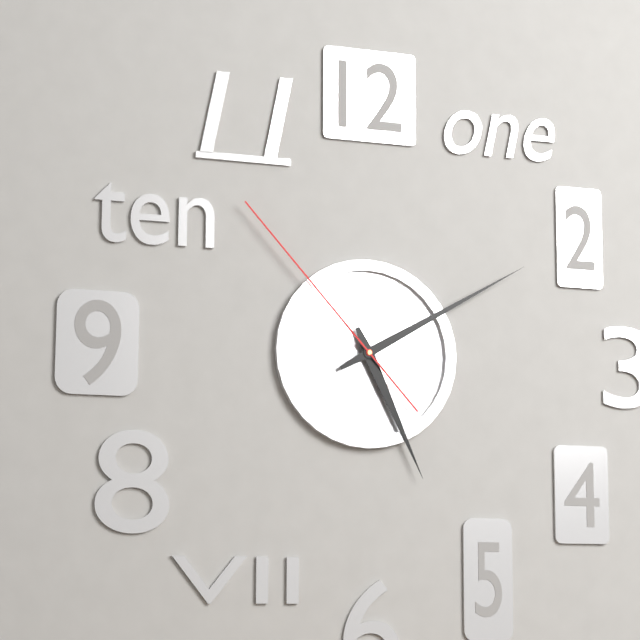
5:10:53
